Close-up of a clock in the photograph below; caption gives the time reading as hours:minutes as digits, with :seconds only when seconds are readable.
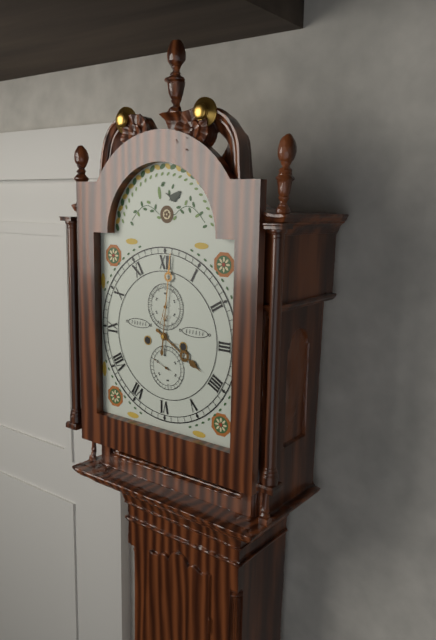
4:01
